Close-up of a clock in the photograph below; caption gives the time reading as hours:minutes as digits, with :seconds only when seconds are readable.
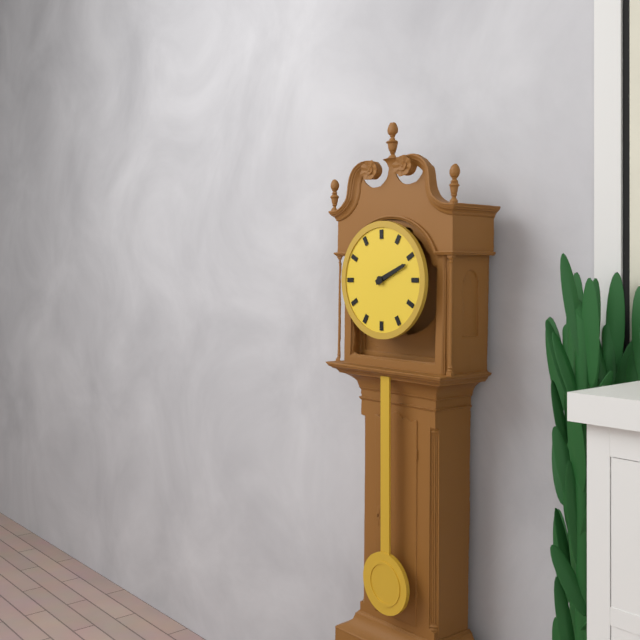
2:11
